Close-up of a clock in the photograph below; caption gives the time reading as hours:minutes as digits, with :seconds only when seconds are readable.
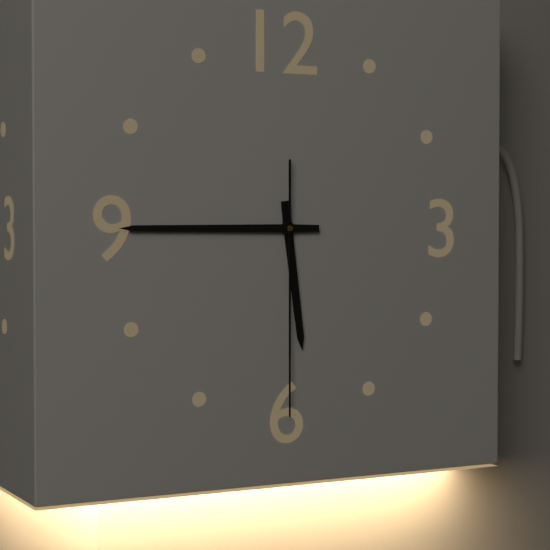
5:45:30
